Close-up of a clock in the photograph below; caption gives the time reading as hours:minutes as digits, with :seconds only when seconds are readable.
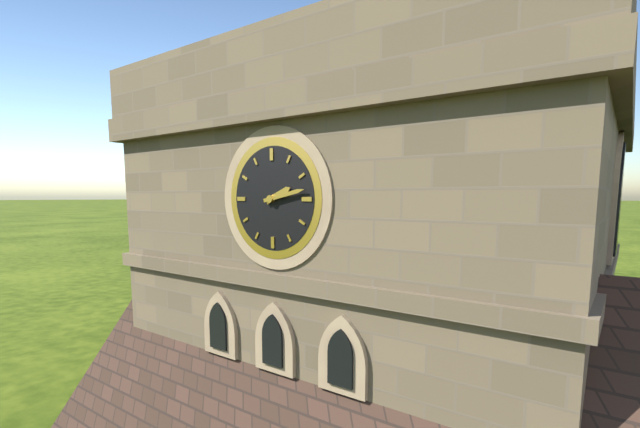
2:13
